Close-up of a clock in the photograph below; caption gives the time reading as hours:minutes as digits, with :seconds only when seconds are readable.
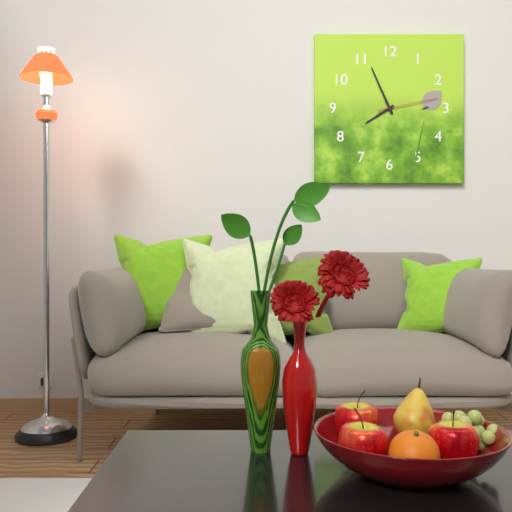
7:56:13
